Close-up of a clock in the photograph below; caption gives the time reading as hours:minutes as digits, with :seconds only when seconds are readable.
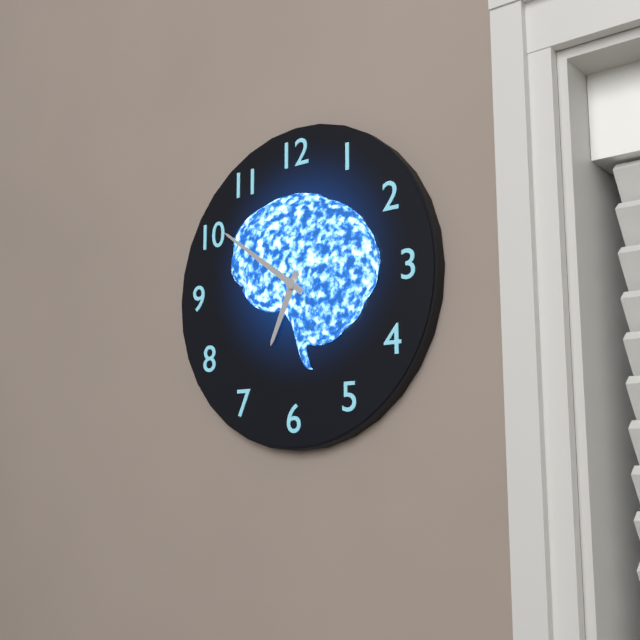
6:51
